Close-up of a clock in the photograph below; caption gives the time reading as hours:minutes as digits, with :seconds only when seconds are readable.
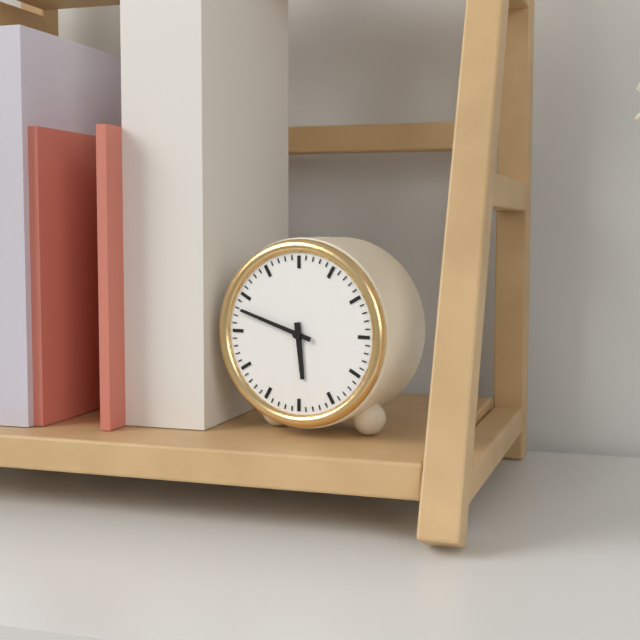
5:48
